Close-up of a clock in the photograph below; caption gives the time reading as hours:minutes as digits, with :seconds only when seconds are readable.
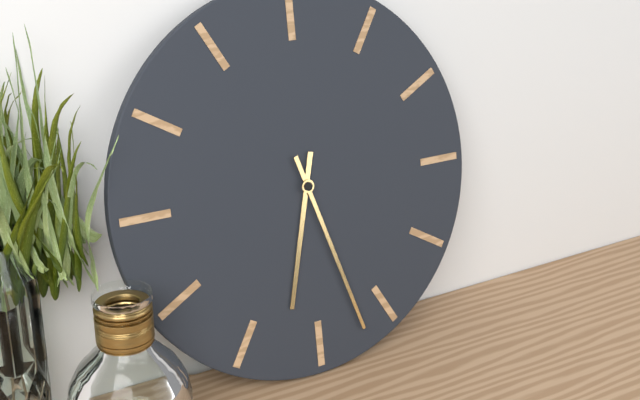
6:27
